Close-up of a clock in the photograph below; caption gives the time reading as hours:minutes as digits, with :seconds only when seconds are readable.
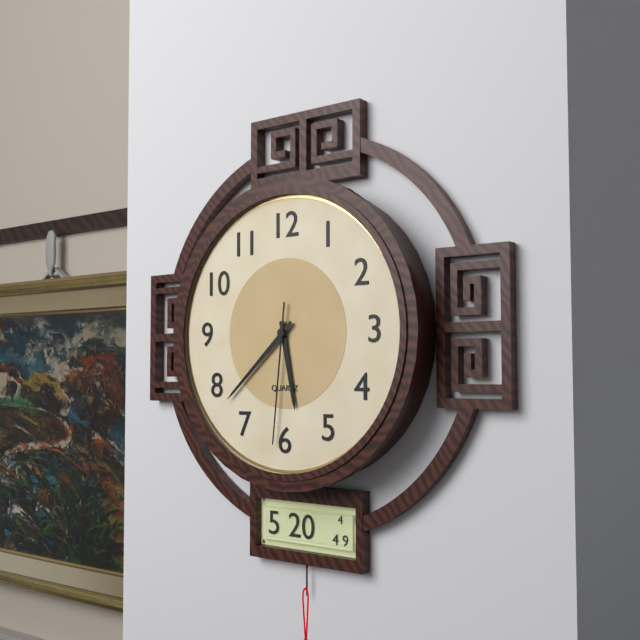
5:38:31
